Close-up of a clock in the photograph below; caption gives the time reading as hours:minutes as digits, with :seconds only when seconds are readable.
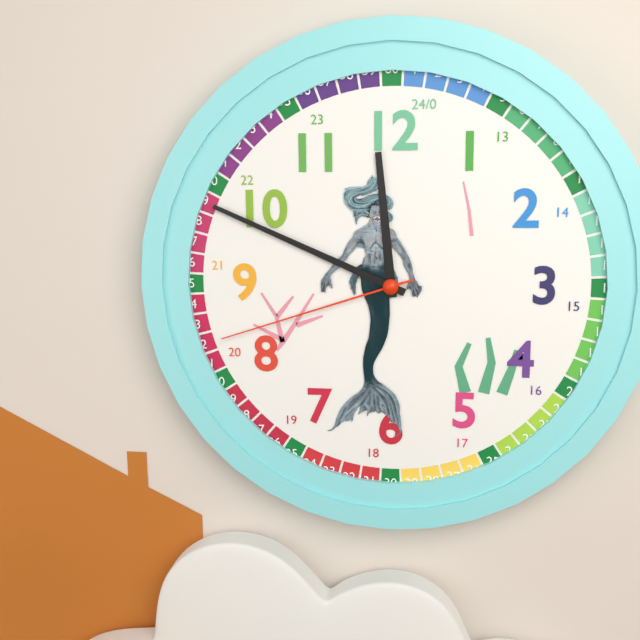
11:49:42
